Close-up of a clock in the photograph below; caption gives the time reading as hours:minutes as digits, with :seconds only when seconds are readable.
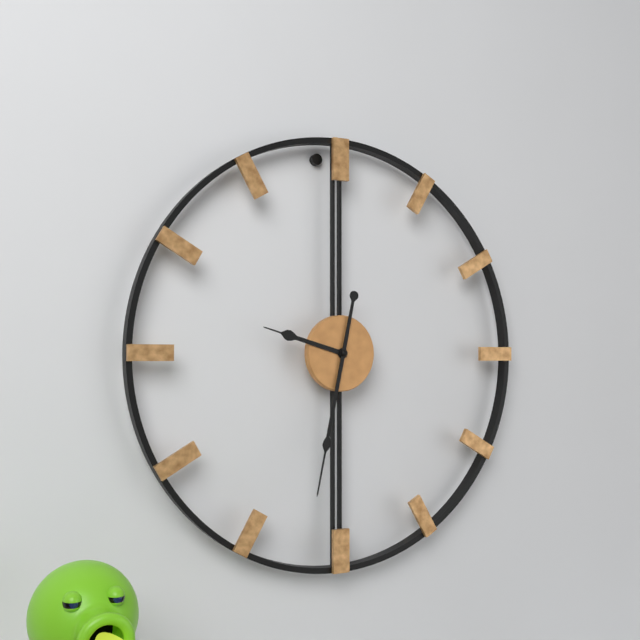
9:32
